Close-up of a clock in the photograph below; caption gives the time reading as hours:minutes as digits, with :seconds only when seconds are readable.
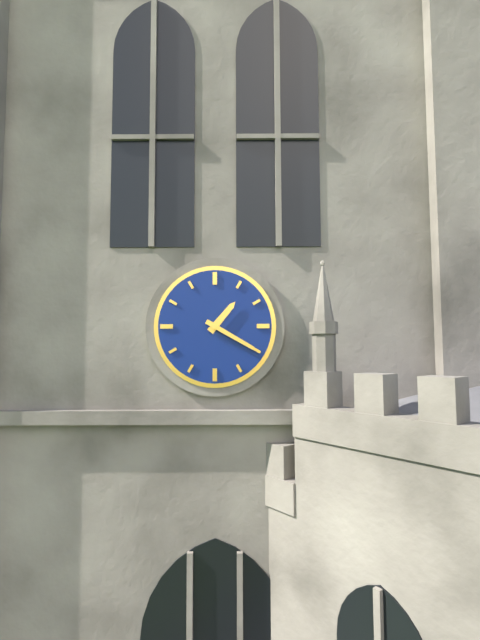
1:20
